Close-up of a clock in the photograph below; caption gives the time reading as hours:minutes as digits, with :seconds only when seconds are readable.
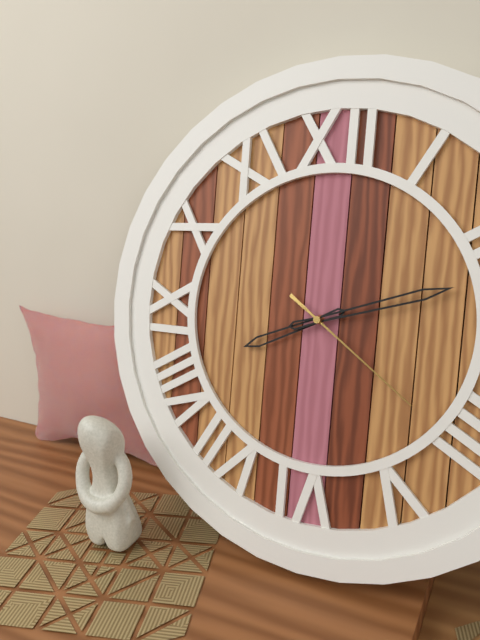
8:12:21
